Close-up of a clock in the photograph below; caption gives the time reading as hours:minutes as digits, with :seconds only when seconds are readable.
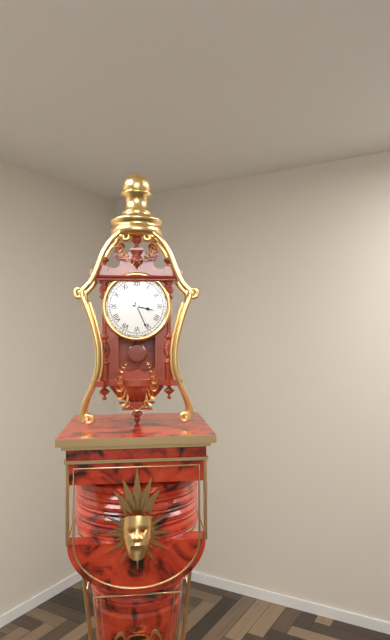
3:26
